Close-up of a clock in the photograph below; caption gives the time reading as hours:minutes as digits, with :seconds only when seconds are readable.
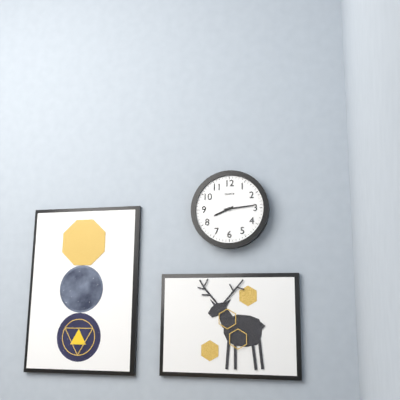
8:14
